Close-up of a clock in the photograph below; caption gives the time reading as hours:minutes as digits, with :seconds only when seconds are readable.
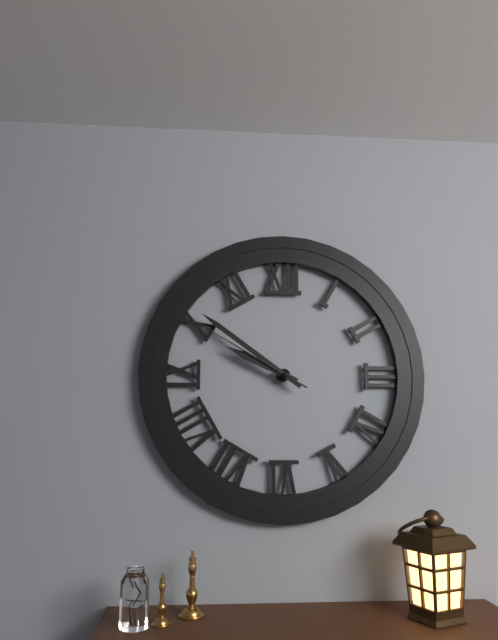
9:51:50
